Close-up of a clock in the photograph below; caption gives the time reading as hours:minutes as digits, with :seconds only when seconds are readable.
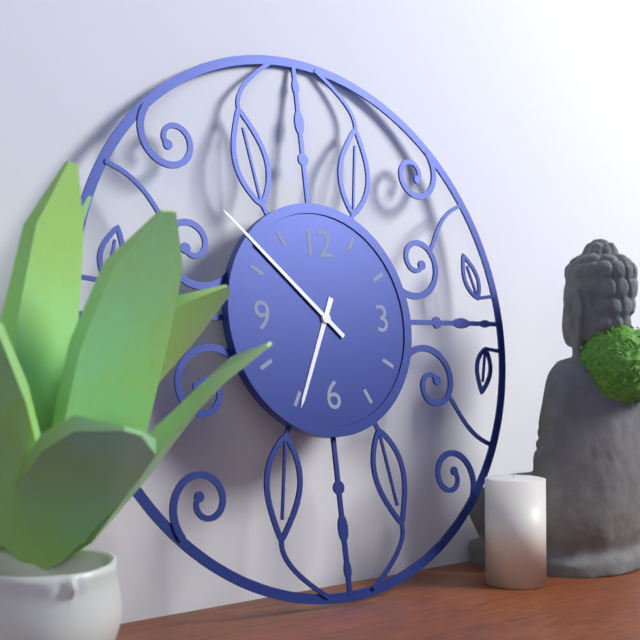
6:52
